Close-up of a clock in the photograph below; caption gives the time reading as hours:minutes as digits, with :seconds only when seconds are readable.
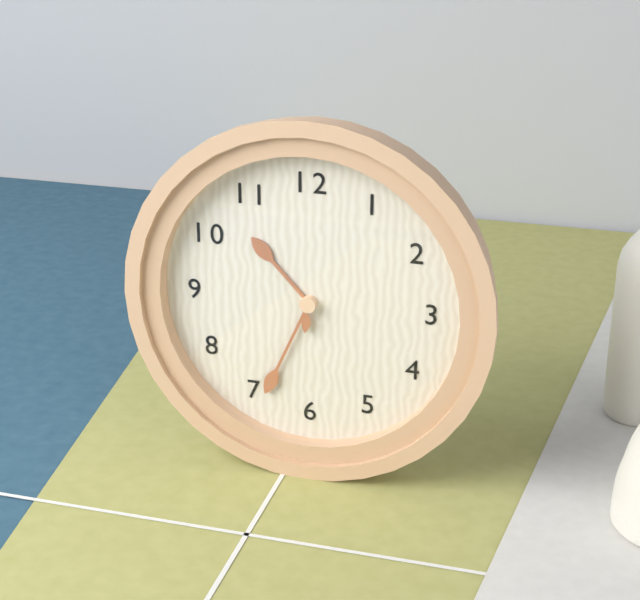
10:34
